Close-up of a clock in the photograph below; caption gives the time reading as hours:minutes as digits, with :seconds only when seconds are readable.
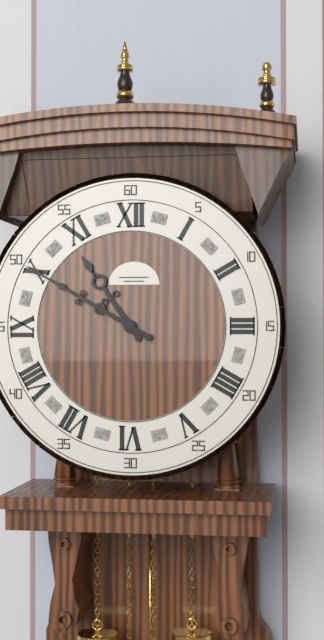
10:50
